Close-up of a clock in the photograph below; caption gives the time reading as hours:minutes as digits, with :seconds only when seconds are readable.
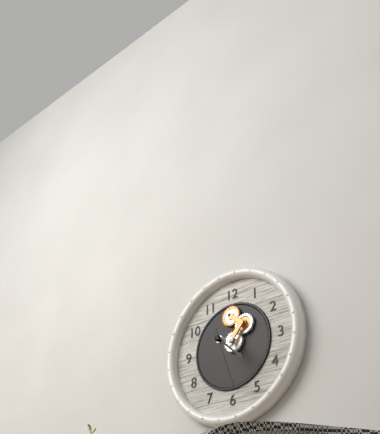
4:27
